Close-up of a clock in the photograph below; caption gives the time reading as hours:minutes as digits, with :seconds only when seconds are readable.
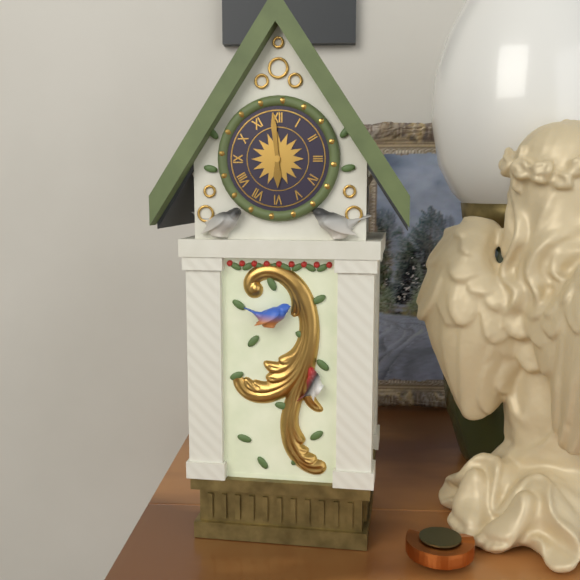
5:59
